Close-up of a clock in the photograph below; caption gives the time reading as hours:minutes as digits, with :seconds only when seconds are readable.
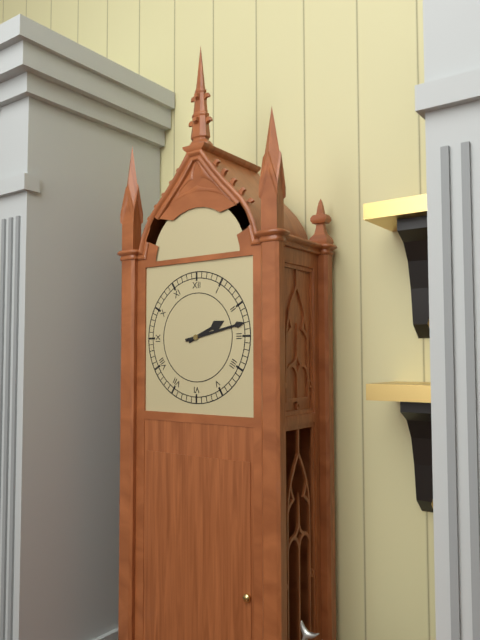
2:13
